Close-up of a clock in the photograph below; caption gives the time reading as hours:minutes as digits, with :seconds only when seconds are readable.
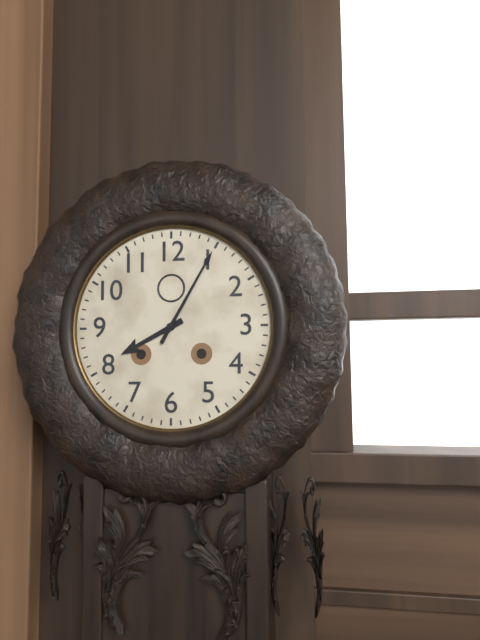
8:05
